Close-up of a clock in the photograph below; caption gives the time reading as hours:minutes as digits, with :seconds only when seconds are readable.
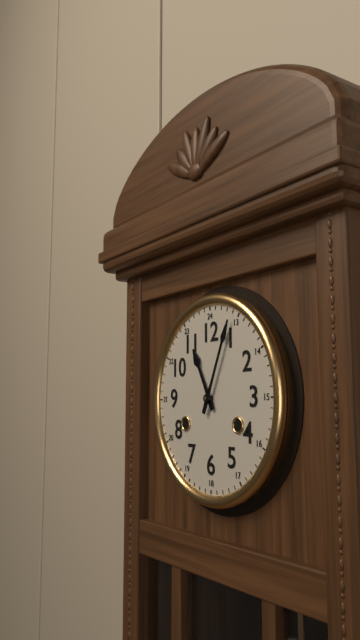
11:04
